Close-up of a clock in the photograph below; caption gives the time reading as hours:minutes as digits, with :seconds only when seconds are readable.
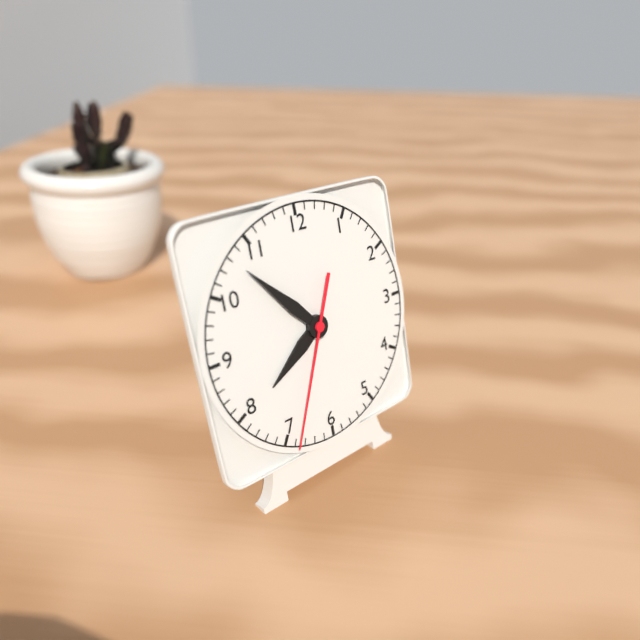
7:53:34
